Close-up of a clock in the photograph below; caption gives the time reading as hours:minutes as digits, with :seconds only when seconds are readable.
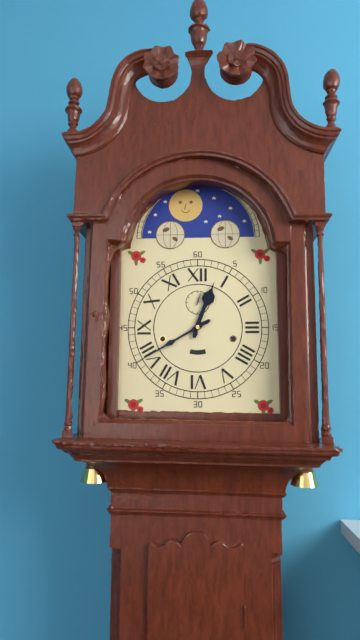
12:40
